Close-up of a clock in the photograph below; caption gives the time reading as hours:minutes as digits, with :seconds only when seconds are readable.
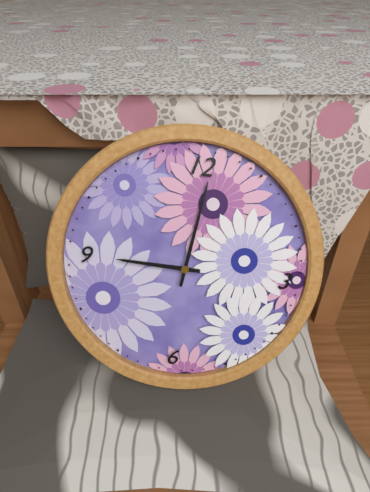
9:01
